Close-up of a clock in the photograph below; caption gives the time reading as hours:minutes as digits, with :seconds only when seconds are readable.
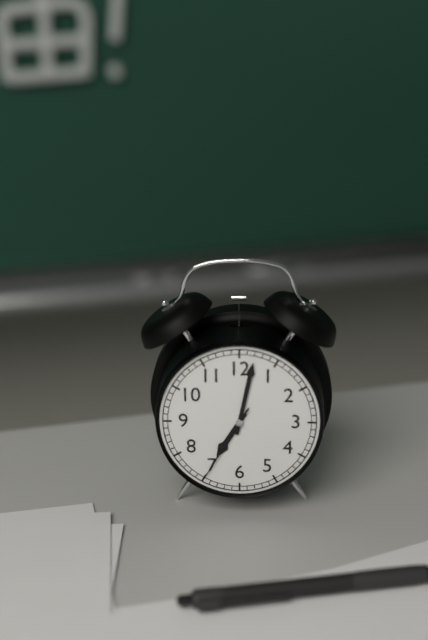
7:02:35
